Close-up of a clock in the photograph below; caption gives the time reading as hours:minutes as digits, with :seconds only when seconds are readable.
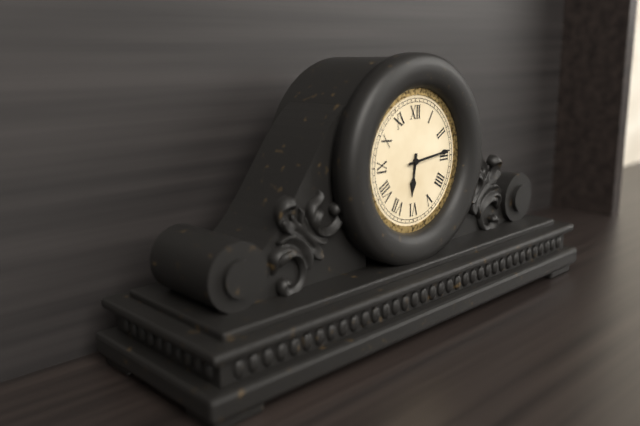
6:14
